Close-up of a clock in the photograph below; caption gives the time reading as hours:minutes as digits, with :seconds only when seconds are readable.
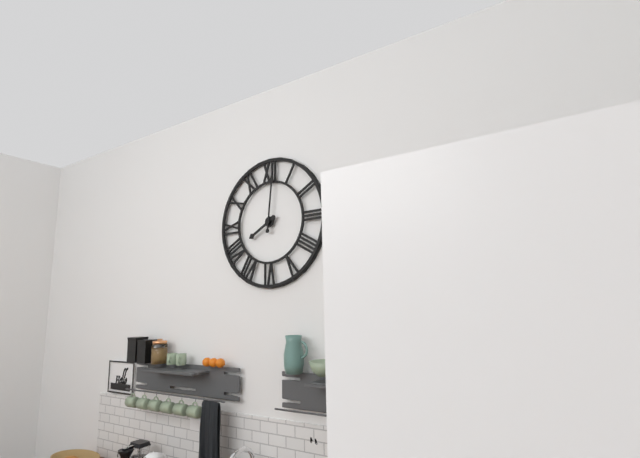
8:01
